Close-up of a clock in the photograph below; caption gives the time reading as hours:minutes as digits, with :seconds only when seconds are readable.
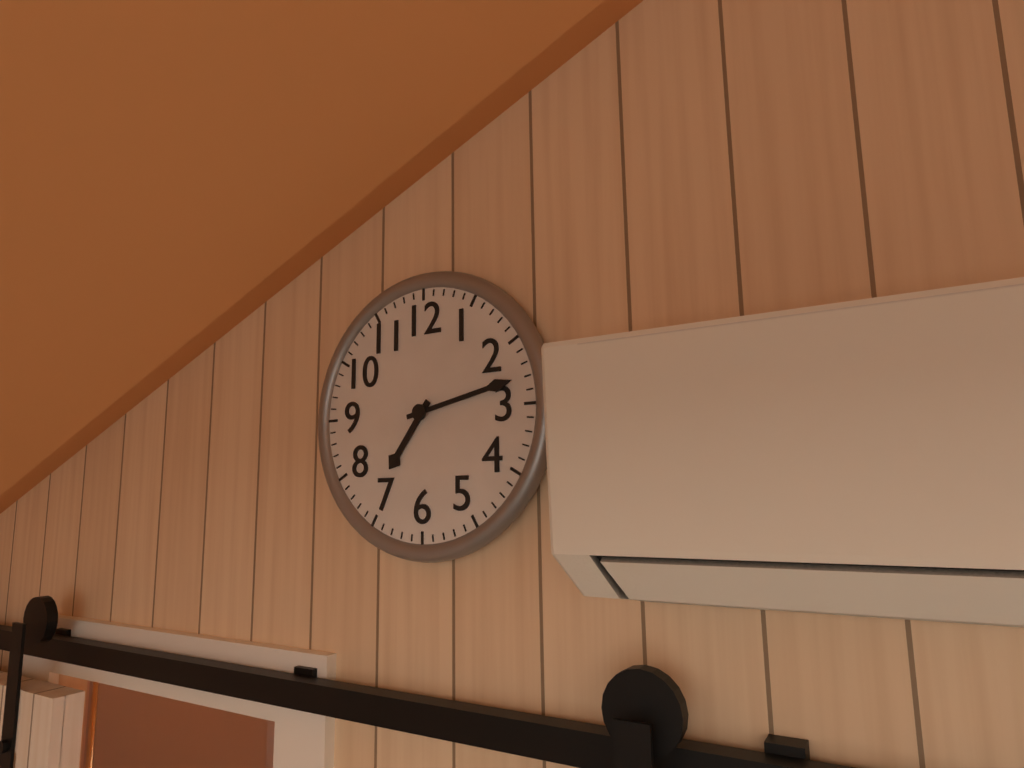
7:13
